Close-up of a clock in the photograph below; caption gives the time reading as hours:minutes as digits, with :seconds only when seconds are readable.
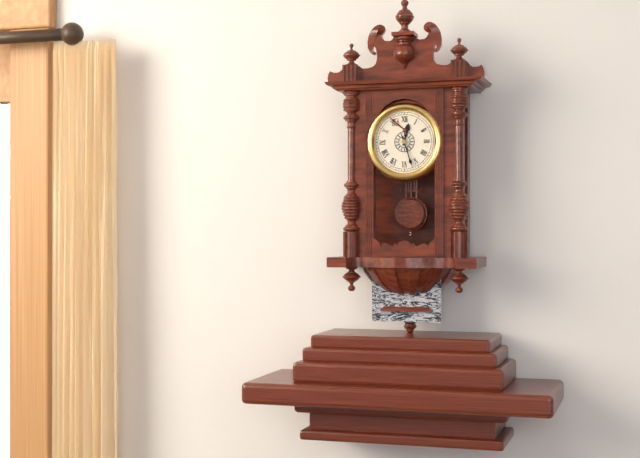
12:27
